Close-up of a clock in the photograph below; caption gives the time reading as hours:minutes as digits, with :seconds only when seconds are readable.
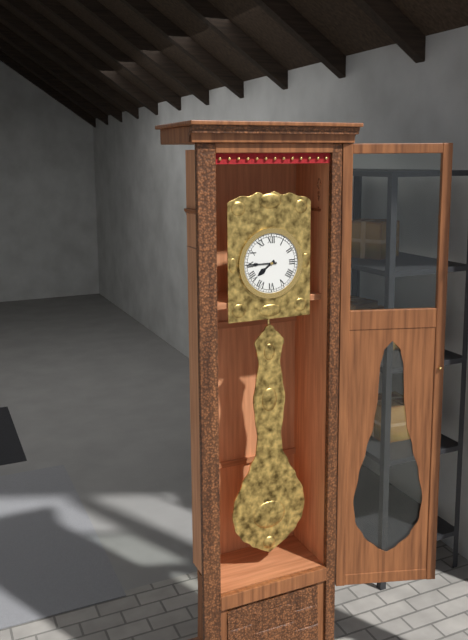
7:45
